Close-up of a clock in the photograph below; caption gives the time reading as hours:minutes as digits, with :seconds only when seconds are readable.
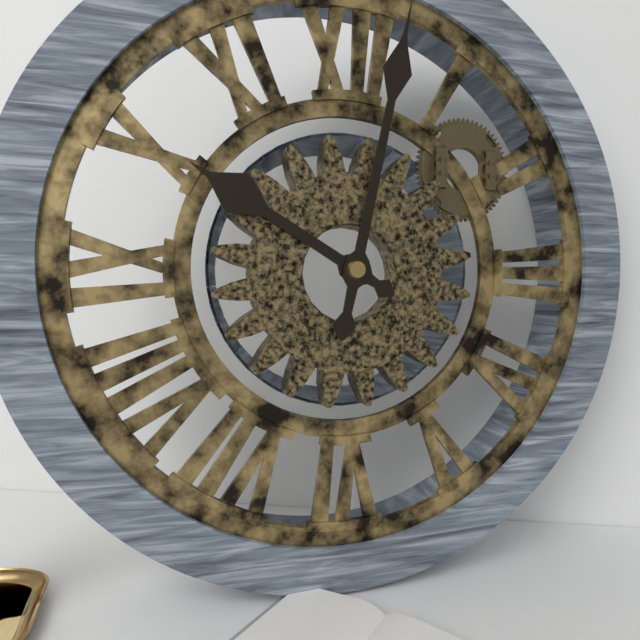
10:02
